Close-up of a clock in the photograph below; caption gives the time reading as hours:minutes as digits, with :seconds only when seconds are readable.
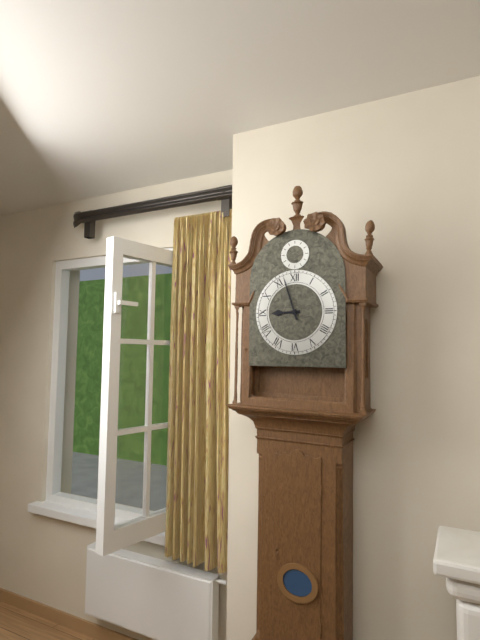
8:57
